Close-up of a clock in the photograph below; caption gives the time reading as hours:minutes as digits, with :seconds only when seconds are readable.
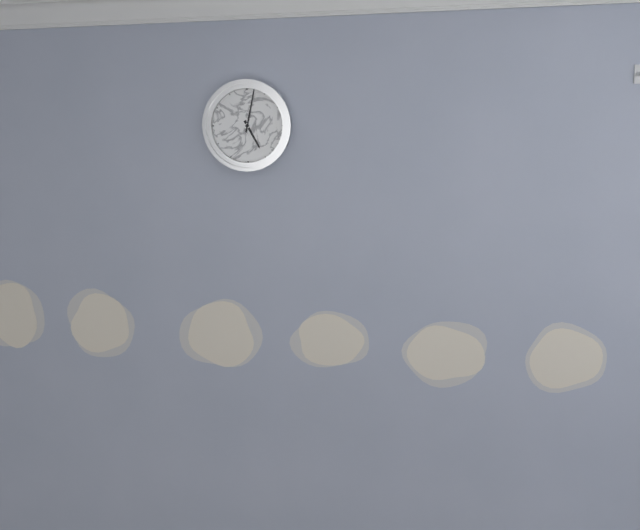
5:02
